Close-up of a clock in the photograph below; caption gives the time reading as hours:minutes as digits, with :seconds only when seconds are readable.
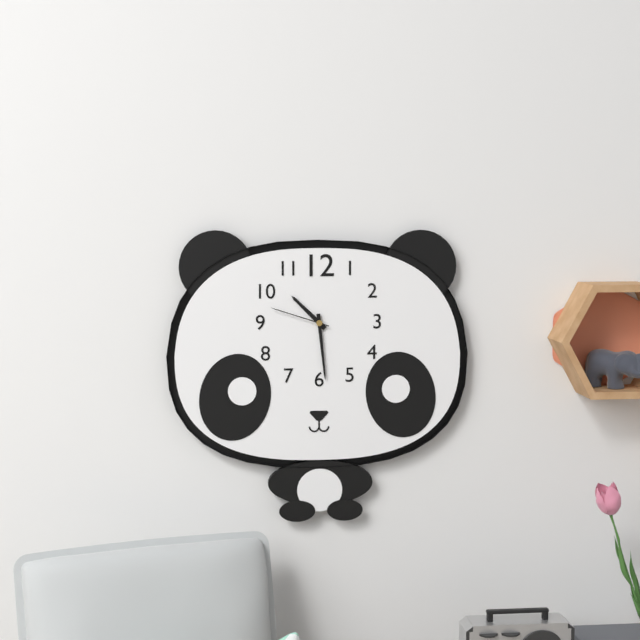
10:29:48
